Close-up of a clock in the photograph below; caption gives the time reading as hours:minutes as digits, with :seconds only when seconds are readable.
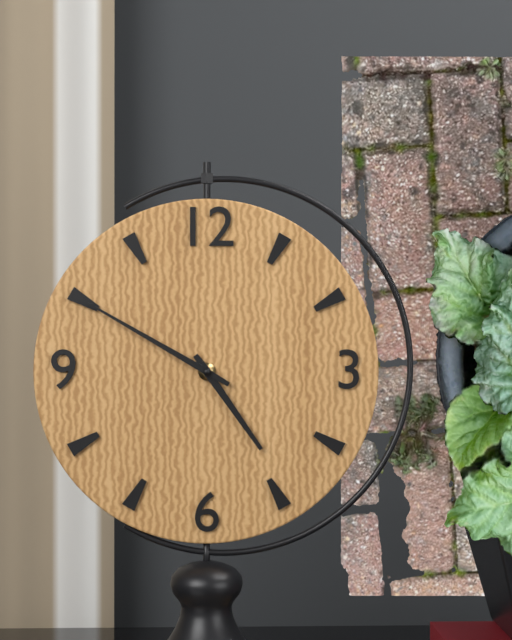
4:50
